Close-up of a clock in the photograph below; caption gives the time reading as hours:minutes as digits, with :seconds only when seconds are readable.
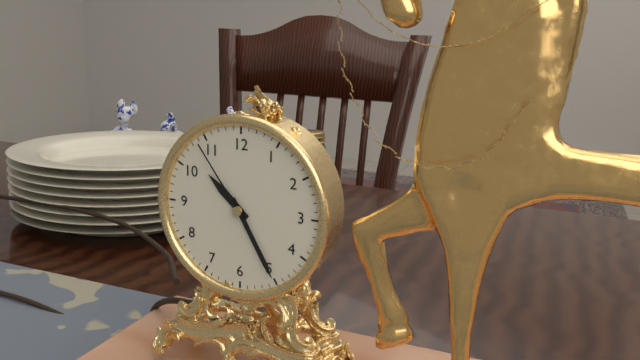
10:25:54
